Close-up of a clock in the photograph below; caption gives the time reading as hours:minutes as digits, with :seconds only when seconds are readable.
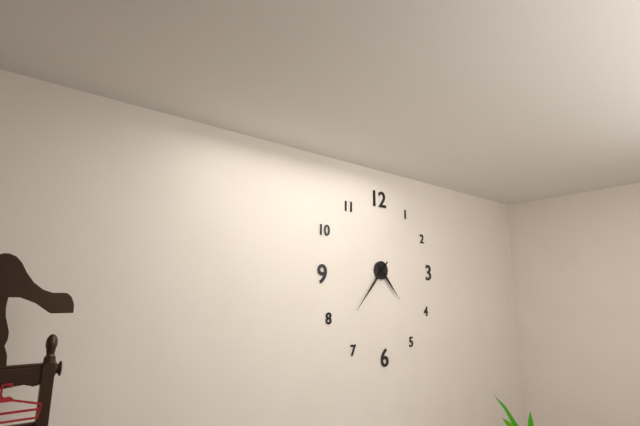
4:37
